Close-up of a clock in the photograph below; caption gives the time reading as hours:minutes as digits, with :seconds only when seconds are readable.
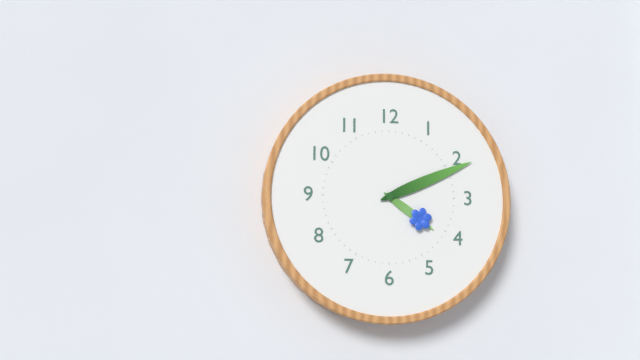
4:11
